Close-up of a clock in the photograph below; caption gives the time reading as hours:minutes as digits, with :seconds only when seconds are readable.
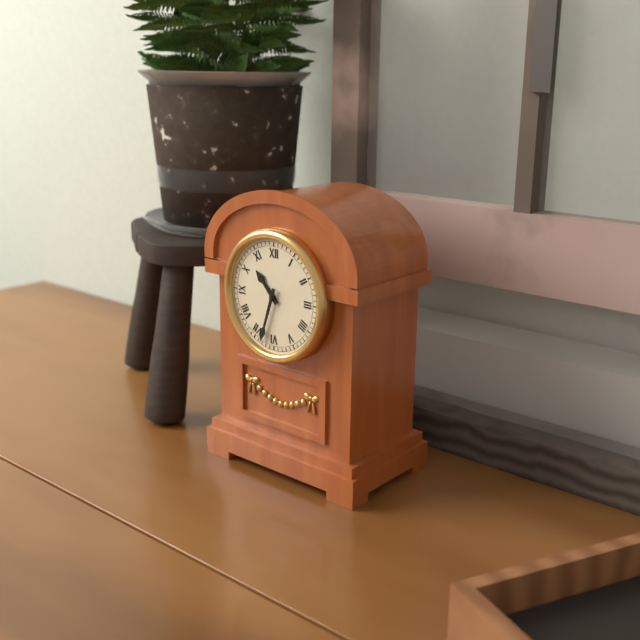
10:33
